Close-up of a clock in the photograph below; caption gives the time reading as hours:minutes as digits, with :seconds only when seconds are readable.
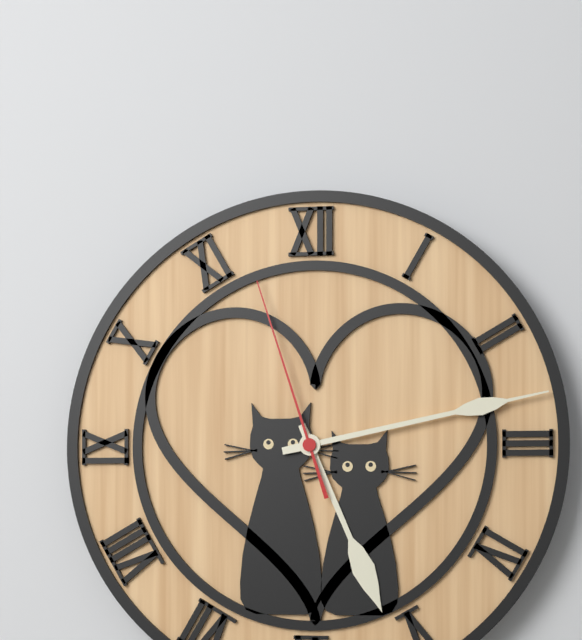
5:13:57
